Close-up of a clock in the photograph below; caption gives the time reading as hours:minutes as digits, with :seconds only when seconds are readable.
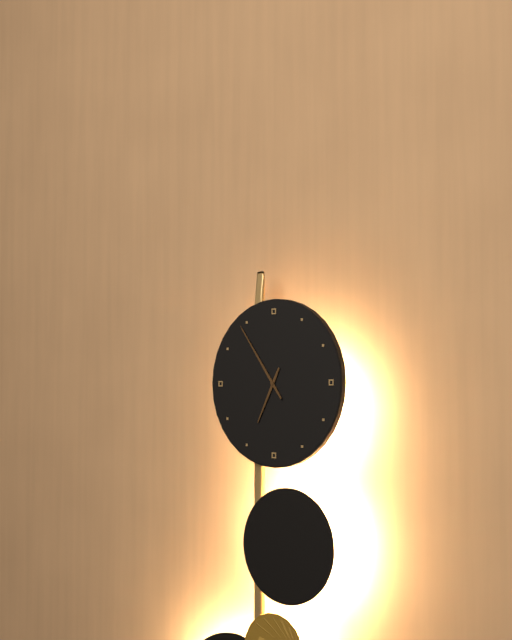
6:54
